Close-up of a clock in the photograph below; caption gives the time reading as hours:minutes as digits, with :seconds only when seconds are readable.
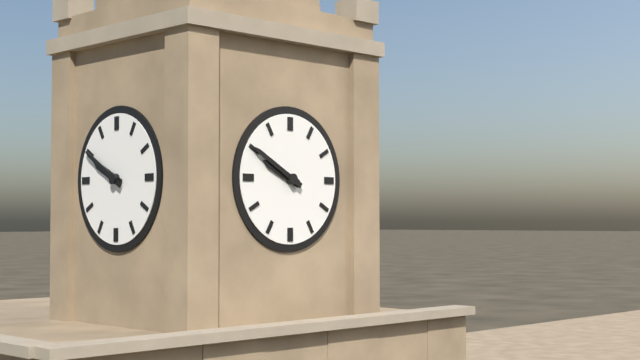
9:50
